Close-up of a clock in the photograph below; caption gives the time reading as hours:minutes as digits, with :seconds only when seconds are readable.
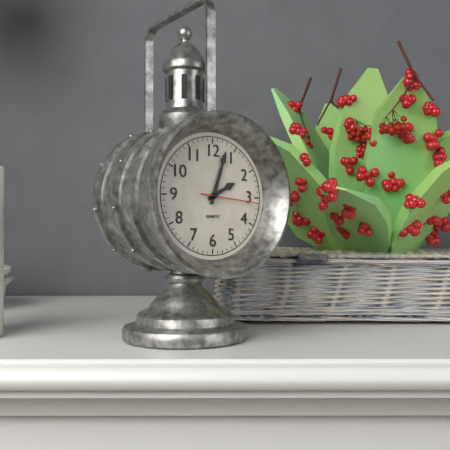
2:03:16
